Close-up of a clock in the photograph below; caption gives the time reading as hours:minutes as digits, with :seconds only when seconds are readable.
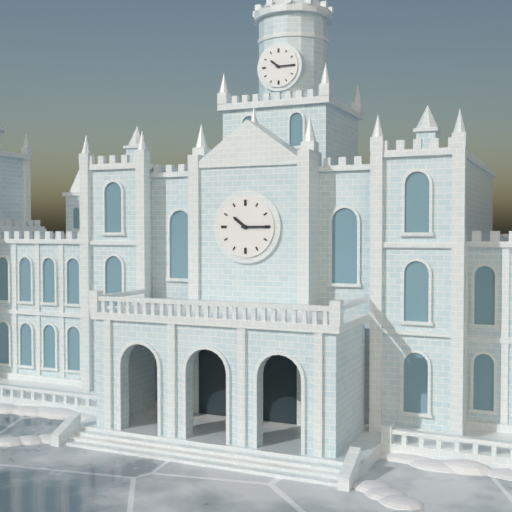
10:15
